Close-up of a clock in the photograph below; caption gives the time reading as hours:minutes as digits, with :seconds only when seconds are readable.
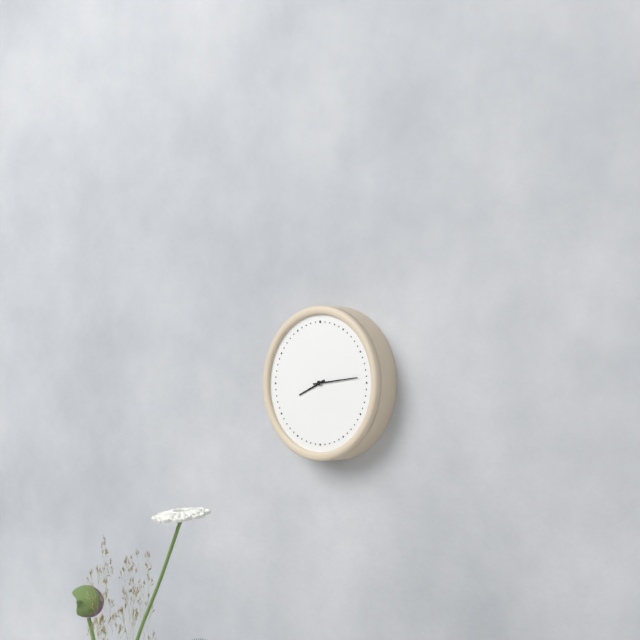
8:14
